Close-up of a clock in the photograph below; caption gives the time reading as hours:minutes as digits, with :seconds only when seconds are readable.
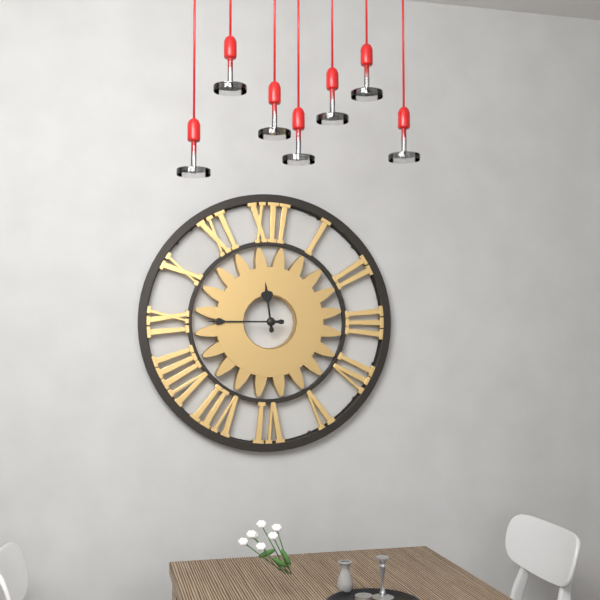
11:45
